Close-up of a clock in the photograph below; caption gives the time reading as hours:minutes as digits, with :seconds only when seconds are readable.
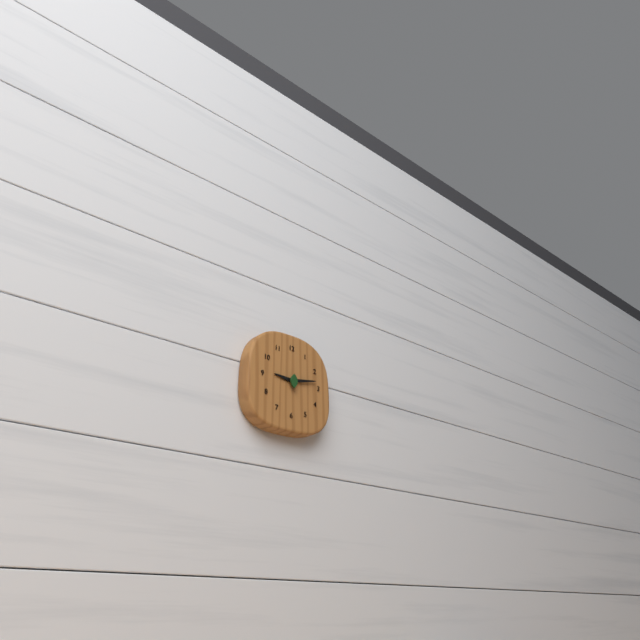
9:13
